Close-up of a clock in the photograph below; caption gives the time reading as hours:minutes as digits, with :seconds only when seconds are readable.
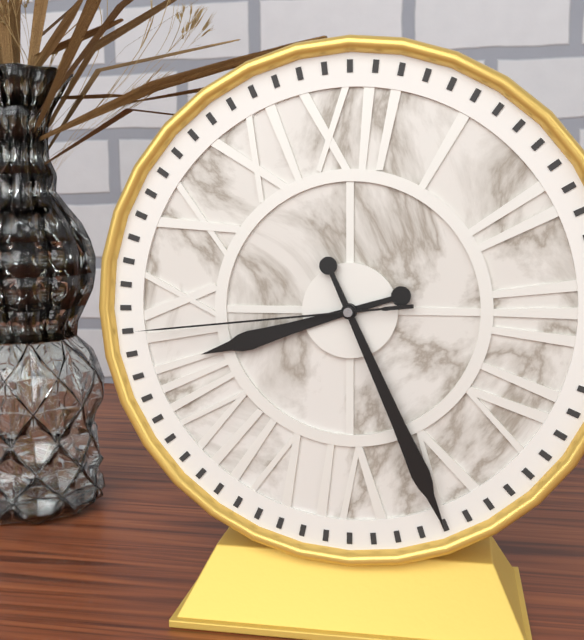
8:26:44
